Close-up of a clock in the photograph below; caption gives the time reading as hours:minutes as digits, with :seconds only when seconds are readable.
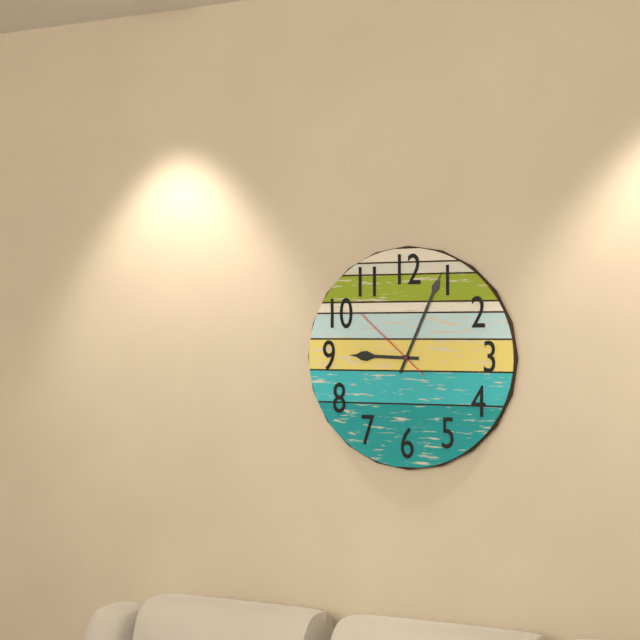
9:04:52
